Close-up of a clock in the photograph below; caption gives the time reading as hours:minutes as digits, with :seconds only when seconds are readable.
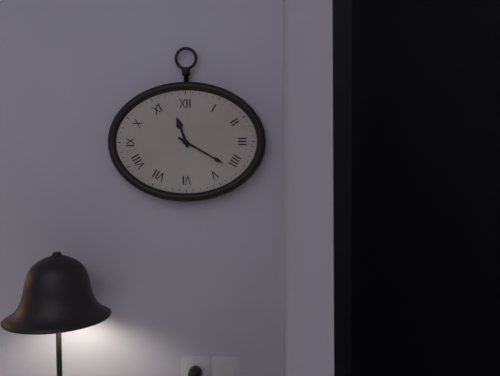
11:20
